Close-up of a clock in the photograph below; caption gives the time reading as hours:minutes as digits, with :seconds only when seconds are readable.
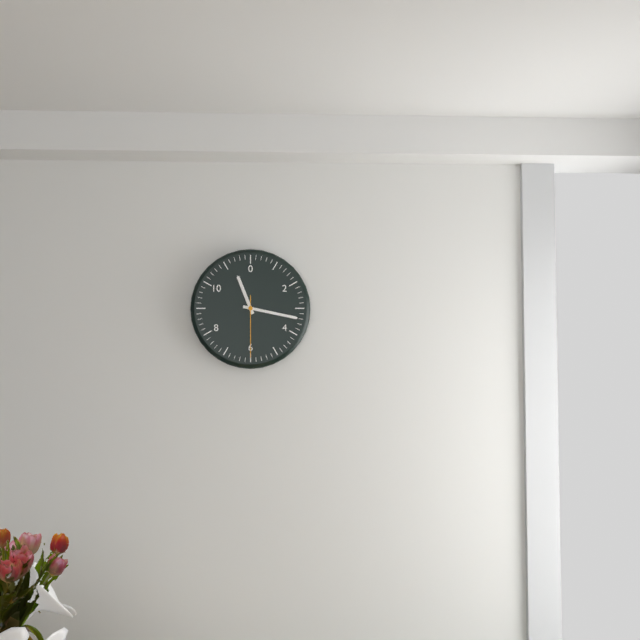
11:17:30
